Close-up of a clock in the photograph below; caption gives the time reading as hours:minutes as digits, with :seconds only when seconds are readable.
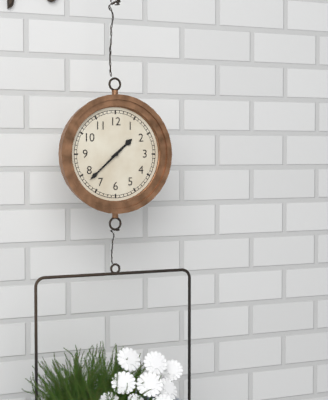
1:38
